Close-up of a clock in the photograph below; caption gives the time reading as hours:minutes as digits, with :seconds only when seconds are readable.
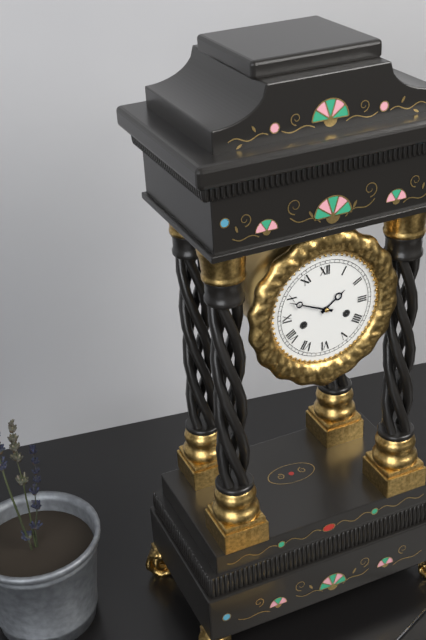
1:49
